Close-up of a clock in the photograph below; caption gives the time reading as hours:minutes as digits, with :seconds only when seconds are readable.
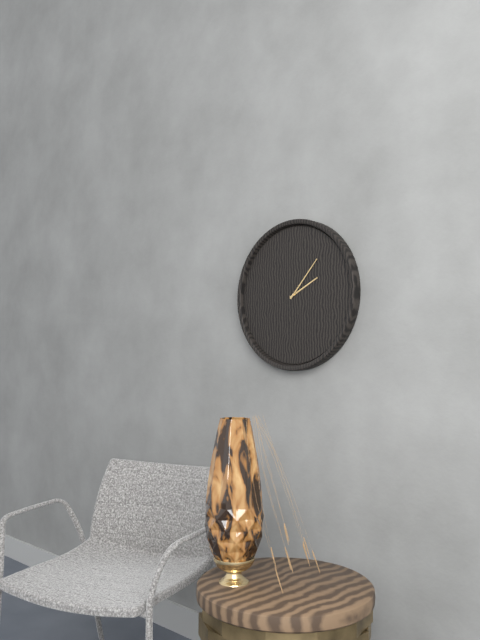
2:07
